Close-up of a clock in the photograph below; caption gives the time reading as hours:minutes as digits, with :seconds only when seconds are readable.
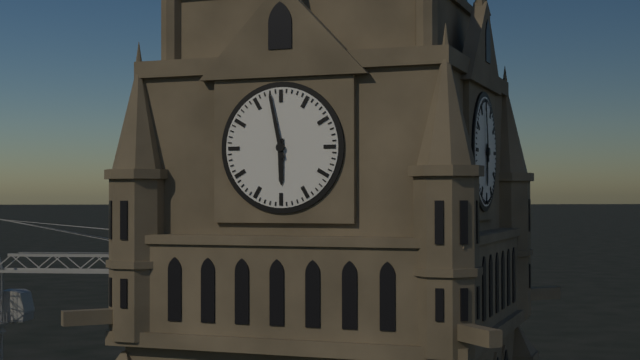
5:58
